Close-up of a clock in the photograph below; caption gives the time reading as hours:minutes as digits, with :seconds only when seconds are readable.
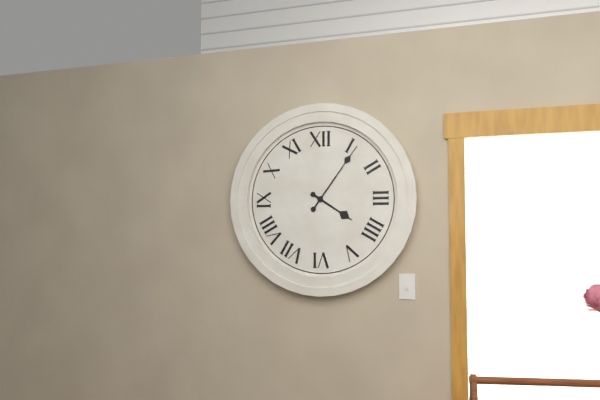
4:06
